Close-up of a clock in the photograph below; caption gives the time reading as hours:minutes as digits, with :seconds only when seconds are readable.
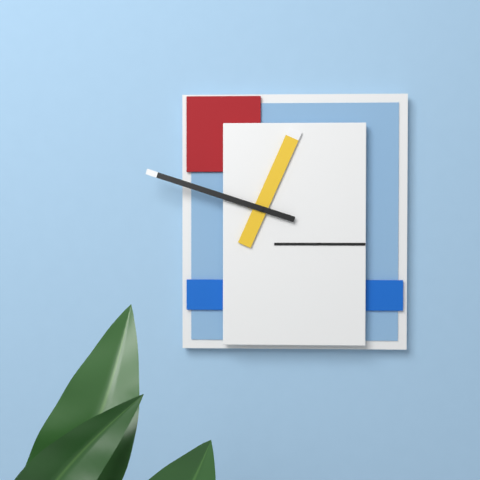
12:48
